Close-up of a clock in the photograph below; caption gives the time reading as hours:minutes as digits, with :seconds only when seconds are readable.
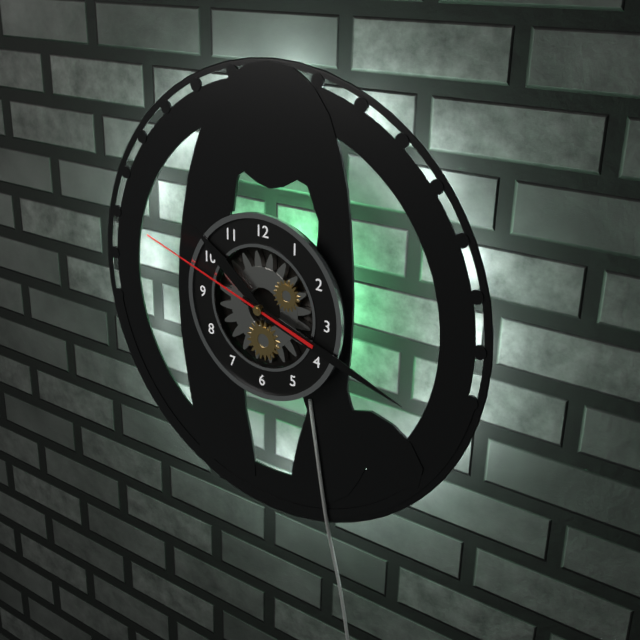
10:18:48
